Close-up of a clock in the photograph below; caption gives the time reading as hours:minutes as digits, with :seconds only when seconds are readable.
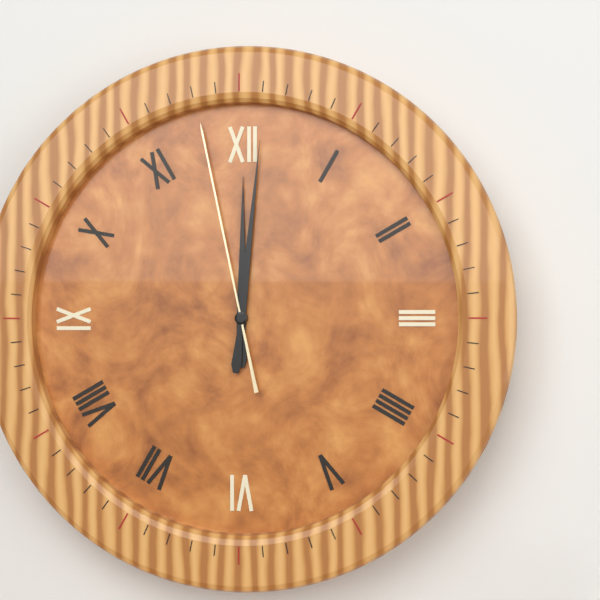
12:01:58
